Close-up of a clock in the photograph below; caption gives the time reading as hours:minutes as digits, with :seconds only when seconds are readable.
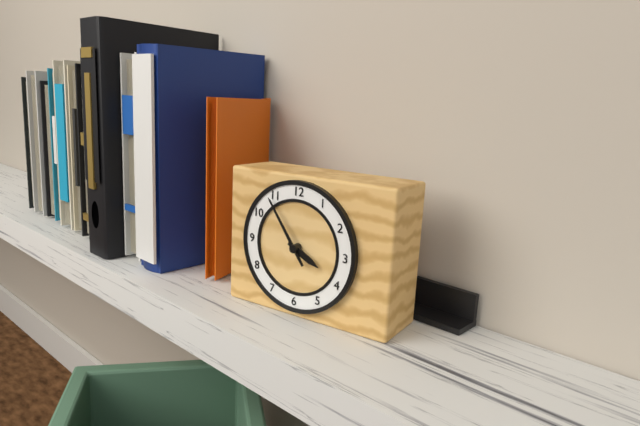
3:54
